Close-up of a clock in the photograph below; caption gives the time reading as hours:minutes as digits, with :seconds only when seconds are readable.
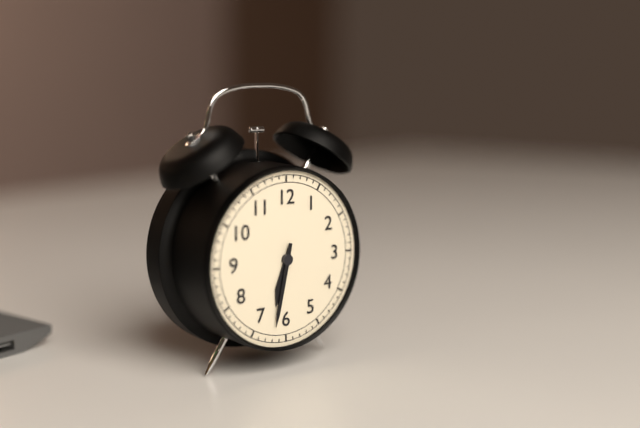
6:32
